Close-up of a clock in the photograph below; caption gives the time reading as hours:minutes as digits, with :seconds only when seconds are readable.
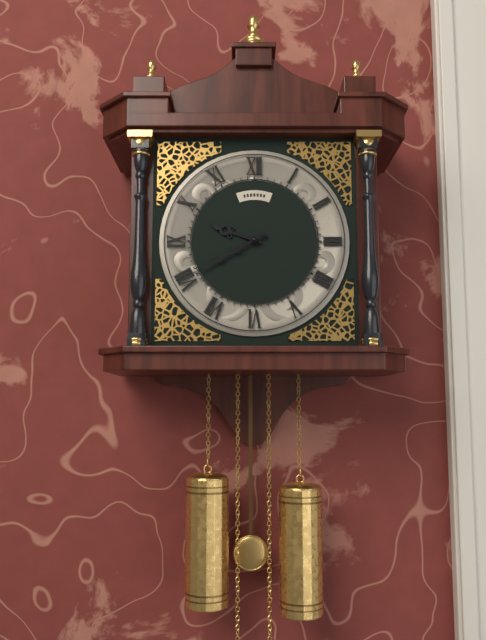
9:40
